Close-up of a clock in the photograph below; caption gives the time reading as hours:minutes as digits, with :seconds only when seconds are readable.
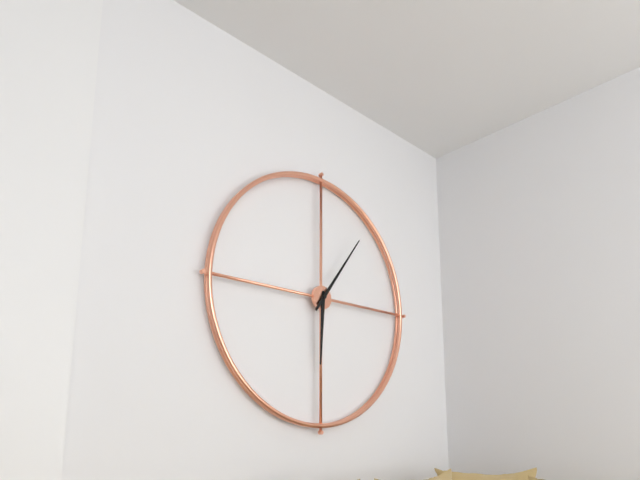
6:06
